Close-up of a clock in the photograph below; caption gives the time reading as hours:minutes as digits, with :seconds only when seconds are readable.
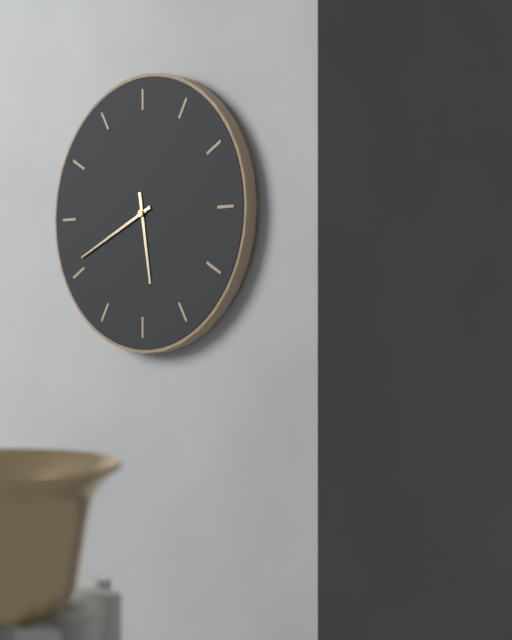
5:41
